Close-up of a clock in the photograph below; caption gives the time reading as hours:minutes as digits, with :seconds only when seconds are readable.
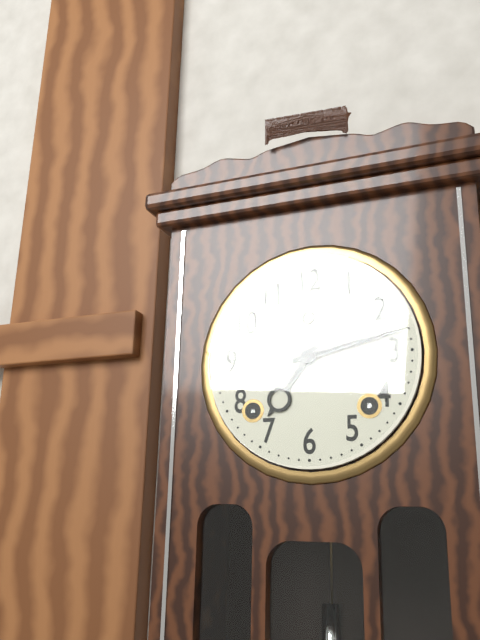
7:13
